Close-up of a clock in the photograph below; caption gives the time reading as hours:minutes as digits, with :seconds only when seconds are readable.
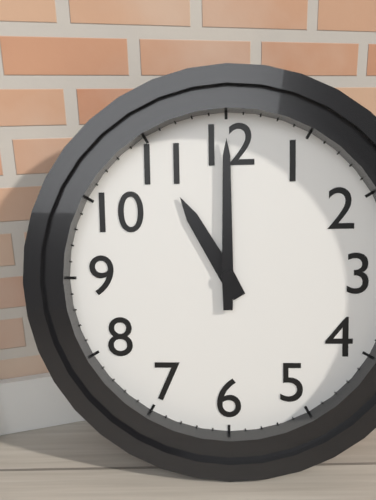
11:00
